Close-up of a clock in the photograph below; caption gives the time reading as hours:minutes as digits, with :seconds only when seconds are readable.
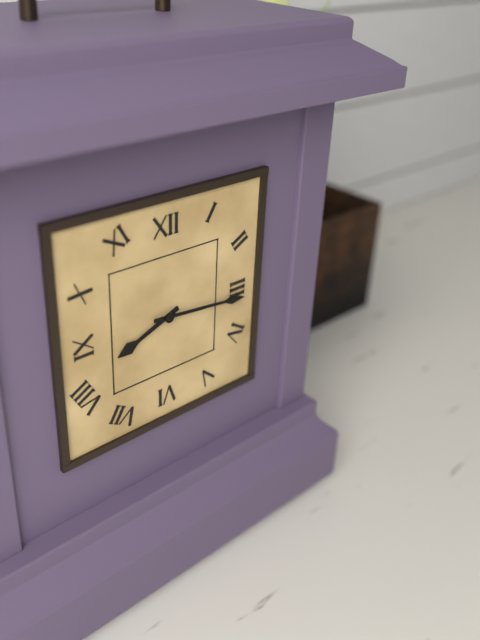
8:16
